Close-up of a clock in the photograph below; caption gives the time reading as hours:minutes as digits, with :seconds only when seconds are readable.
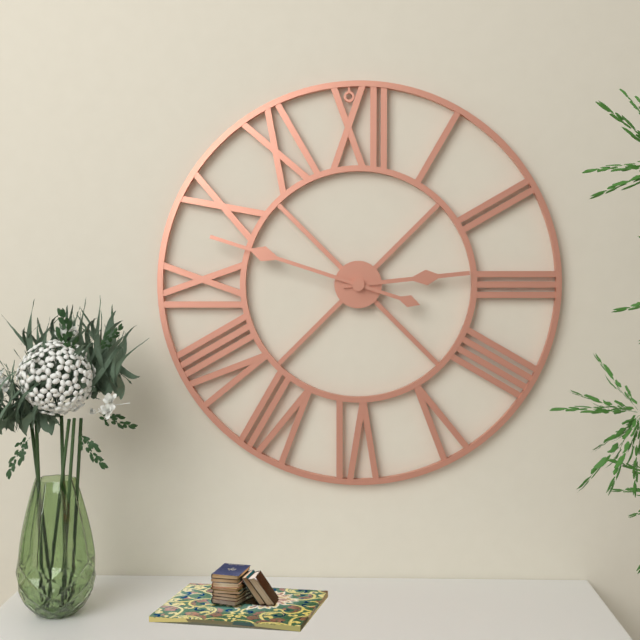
2:48
